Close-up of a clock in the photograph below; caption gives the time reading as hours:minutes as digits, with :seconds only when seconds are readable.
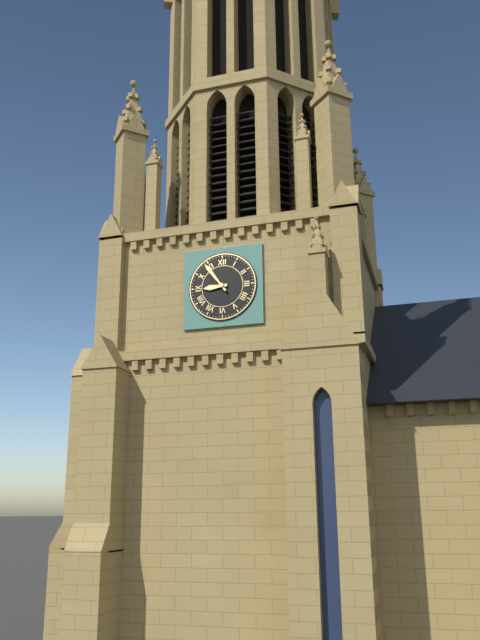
8:54
